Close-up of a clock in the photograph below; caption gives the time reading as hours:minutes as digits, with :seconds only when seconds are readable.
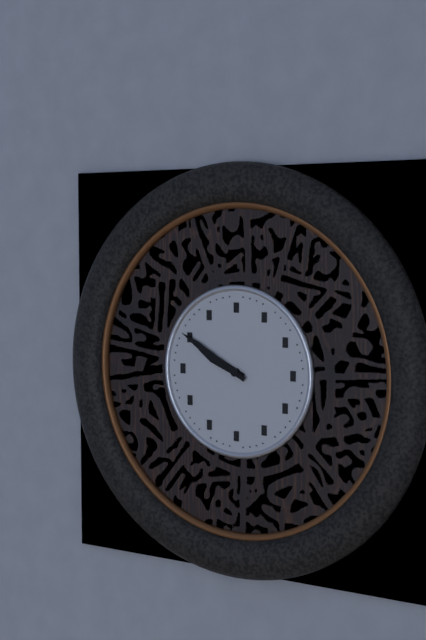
9:50
